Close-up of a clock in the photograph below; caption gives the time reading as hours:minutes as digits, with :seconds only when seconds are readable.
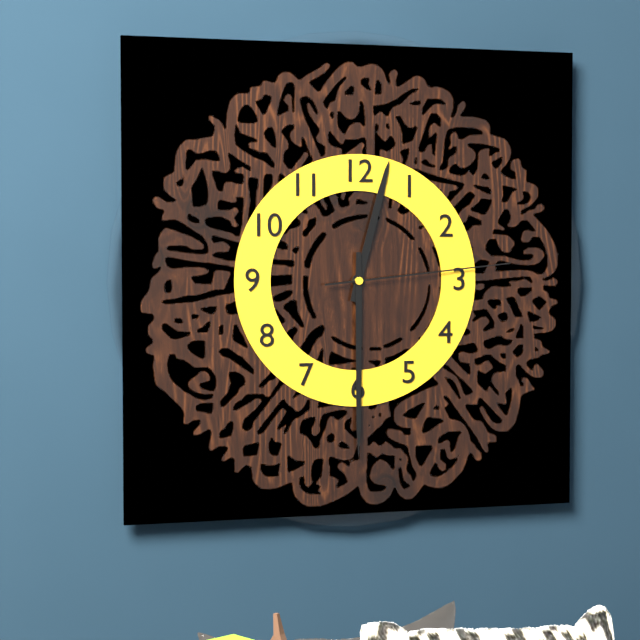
12:30:14
